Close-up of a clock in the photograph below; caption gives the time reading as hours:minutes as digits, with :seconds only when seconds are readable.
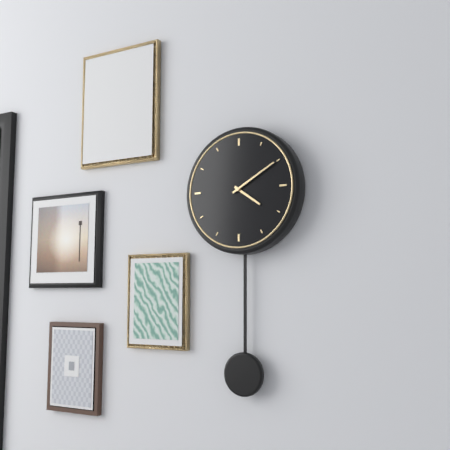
4:10
